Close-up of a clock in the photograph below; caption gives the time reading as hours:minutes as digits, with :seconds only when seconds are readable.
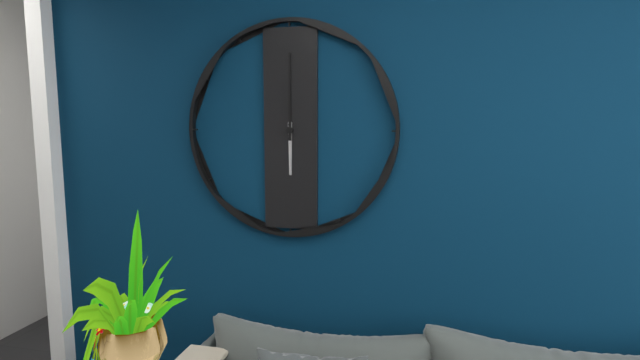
6:00
